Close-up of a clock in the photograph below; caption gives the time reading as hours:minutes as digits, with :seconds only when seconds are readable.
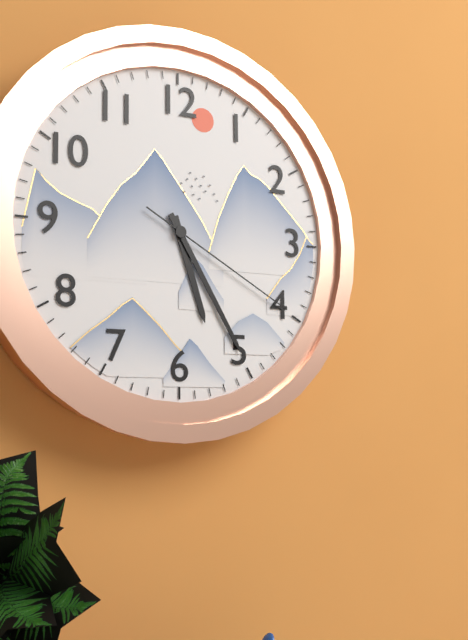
5:25:20
